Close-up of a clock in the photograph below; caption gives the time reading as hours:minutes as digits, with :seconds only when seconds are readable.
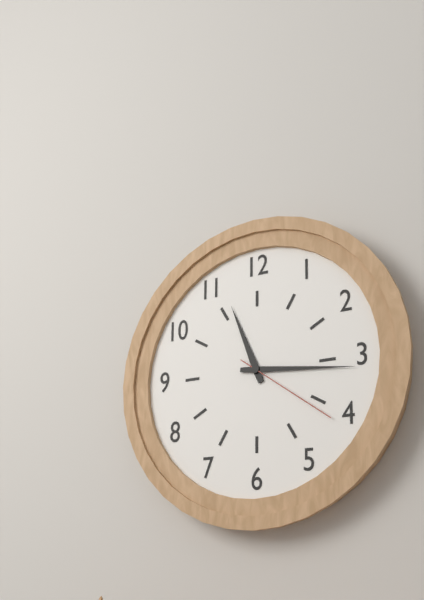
11:16:21
